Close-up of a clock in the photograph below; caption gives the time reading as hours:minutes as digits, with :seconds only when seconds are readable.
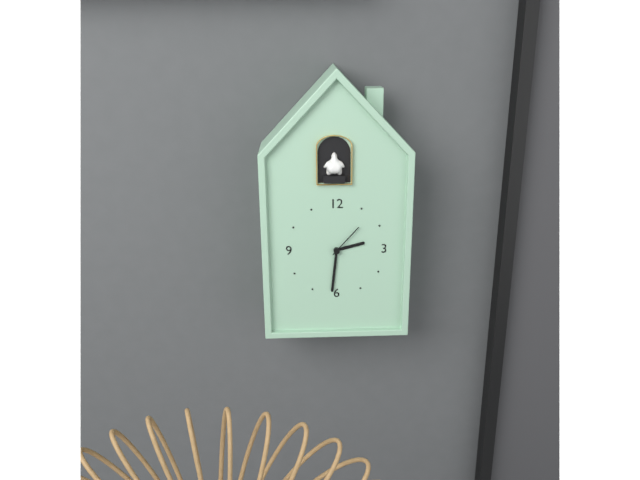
2:31
